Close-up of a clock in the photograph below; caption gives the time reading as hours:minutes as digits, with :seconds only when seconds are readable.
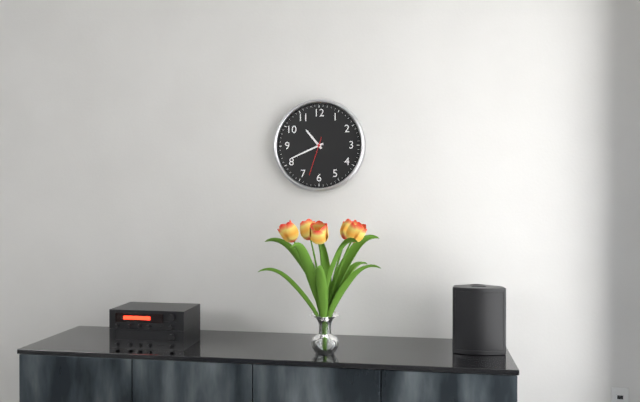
10:41
